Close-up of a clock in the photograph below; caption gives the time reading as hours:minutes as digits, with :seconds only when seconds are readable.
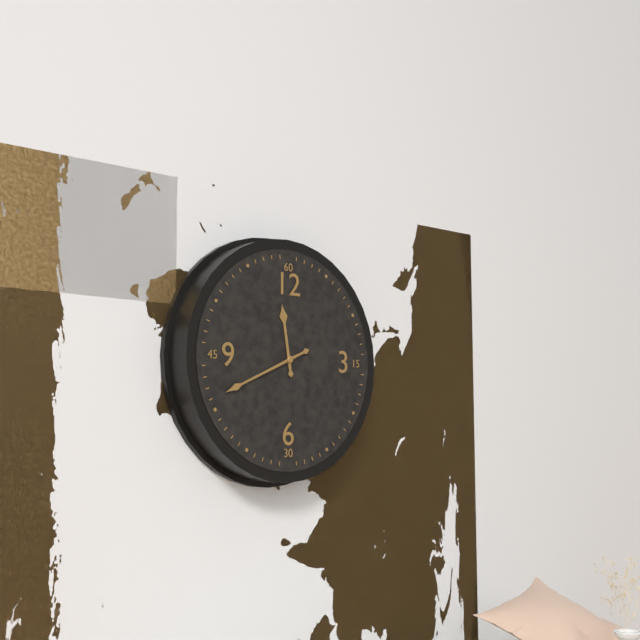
11:41
